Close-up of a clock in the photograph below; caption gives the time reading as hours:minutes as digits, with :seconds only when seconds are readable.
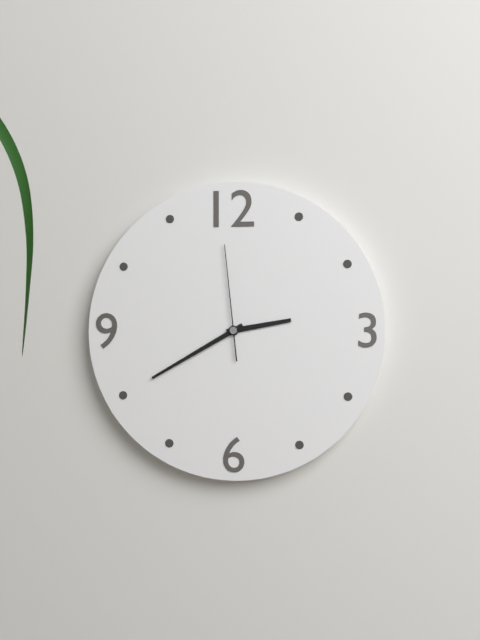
2:40:59
